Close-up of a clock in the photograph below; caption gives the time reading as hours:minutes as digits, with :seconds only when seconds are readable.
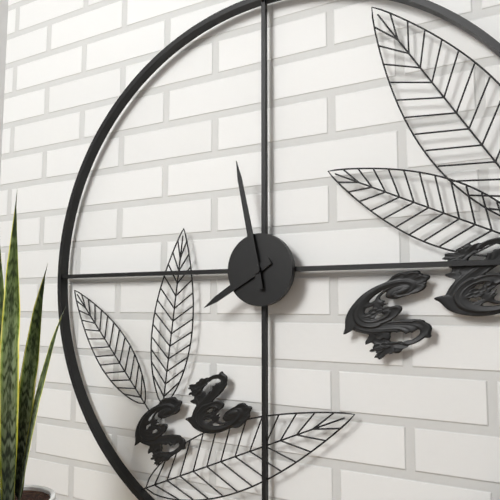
7:58
